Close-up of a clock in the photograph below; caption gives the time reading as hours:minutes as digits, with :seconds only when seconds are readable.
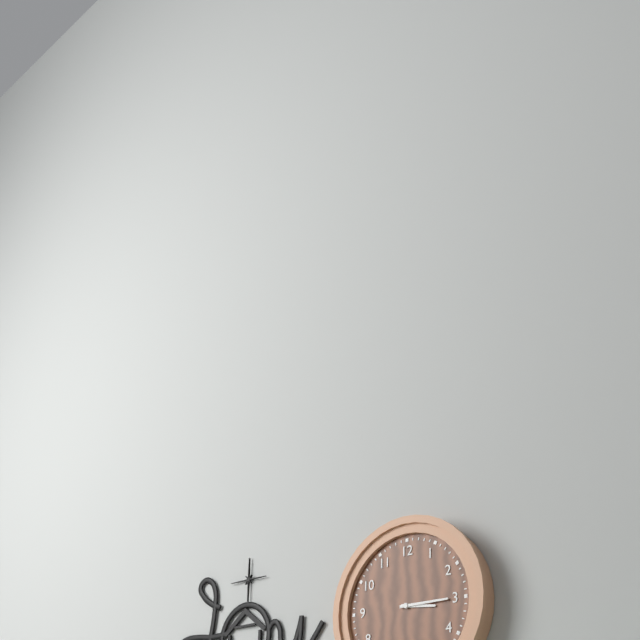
3:15
